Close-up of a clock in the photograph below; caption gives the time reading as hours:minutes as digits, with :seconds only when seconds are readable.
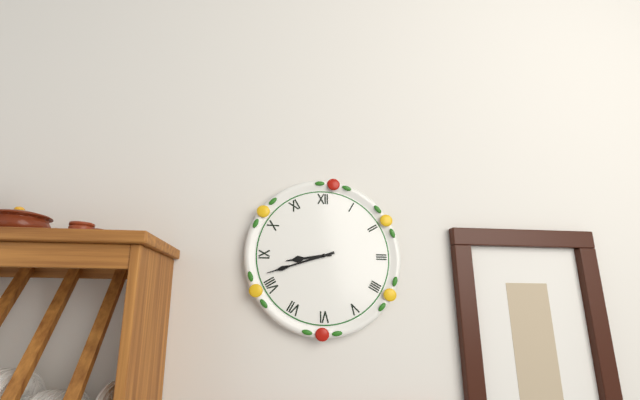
8:42
